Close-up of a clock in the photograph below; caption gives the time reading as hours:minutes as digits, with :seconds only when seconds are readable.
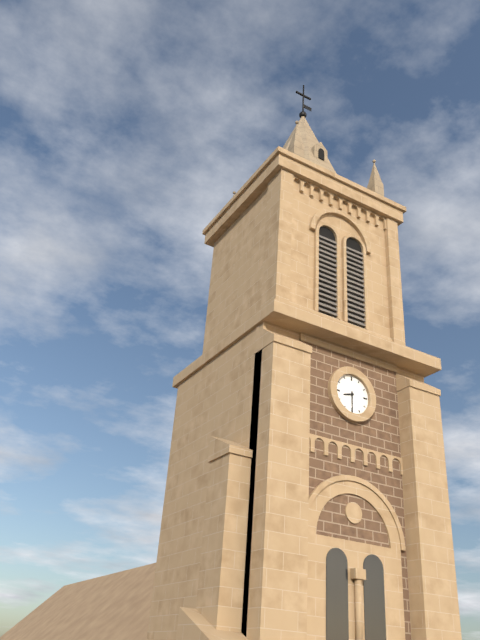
8:30
